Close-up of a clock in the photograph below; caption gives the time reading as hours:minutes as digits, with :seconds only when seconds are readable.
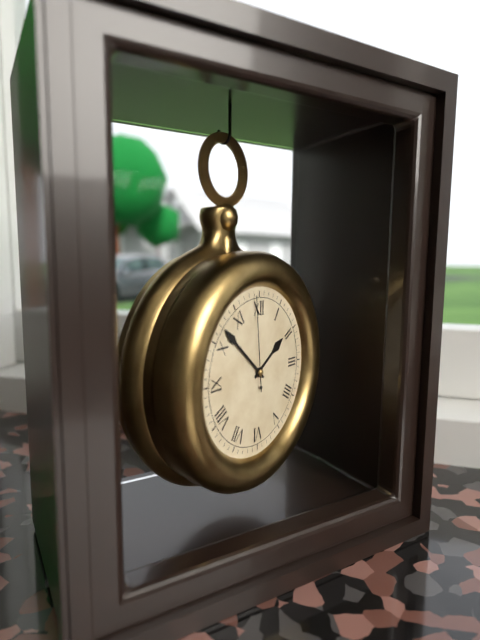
1:52:59
